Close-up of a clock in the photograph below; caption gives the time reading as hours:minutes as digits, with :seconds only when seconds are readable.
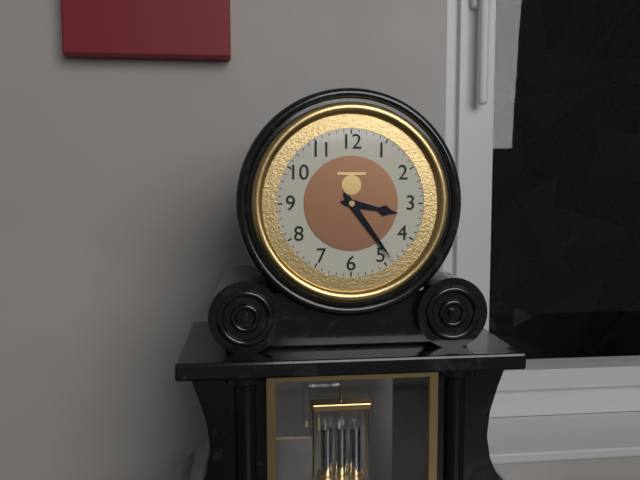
3:24
